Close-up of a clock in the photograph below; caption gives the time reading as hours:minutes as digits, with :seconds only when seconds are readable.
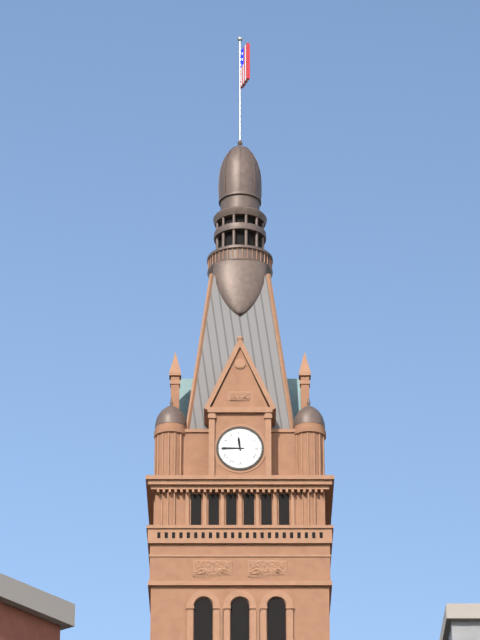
11:45
